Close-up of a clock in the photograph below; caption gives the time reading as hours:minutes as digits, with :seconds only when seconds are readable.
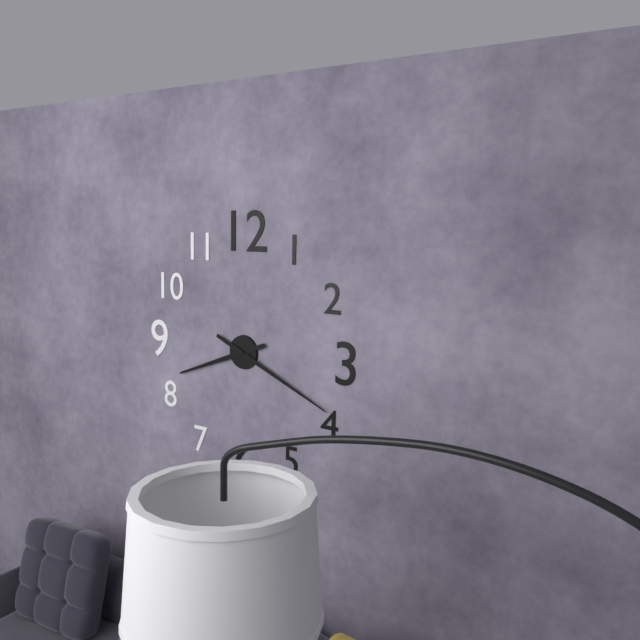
8:19
